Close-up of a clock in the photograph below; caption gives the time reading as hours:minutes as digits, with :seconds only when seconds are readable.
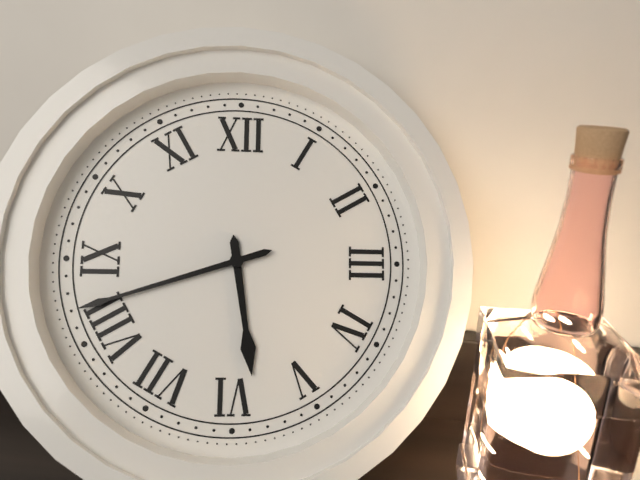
5:42
